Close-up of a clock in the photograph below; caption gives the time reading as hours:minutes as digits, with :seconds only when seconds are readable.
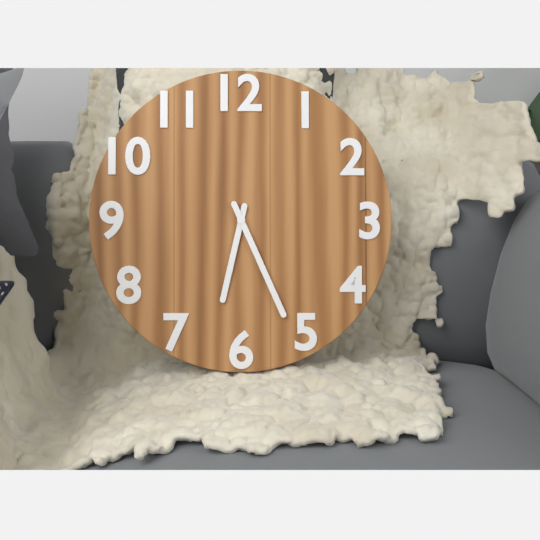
6:26
